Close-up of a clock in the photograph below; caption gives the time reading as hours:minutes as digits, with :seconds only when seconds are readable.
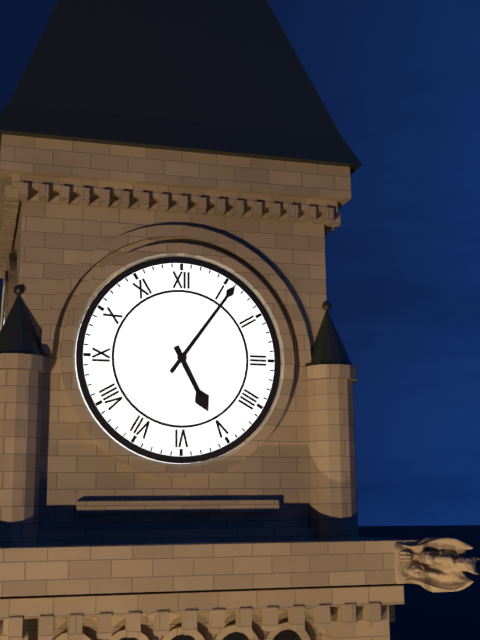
5:06
